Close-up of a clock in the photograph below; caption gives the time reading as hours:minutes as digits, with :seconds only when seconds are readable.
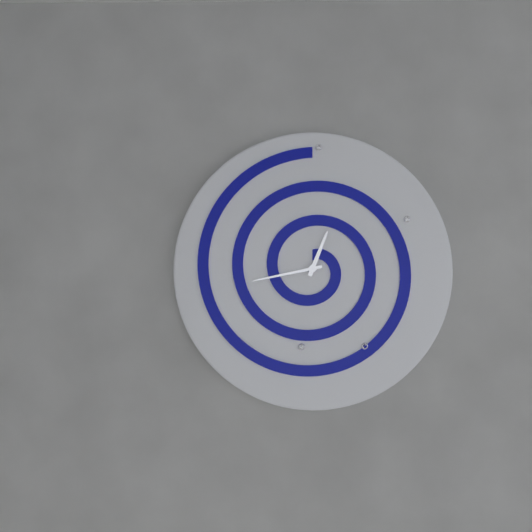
12:43
